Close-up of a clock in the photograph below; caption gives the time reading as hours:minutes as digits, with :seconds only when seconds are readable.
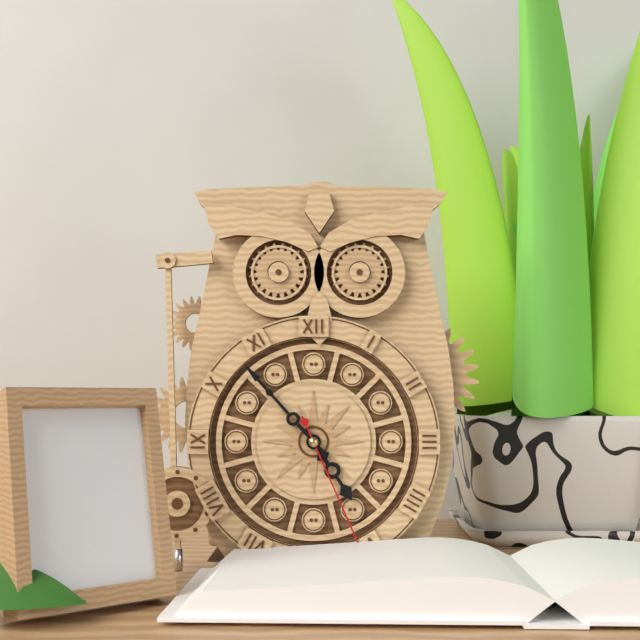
4:53:26
